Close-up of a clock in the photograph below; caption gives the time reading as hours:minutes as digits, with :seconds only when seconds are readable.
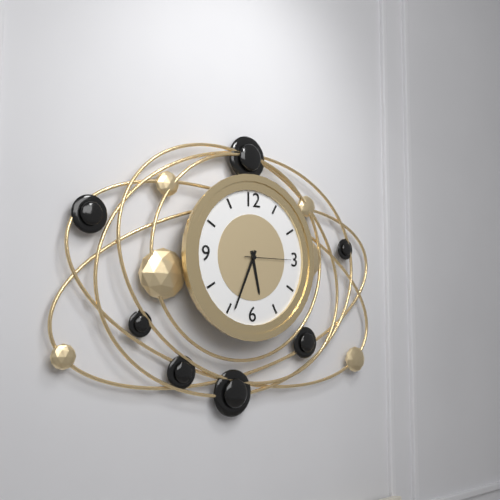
5:34
